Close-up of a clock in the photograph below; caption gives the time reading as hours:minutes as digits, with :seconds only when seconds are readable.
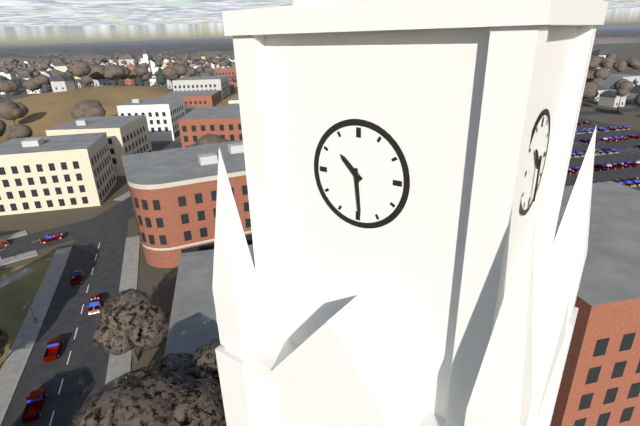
10:29
